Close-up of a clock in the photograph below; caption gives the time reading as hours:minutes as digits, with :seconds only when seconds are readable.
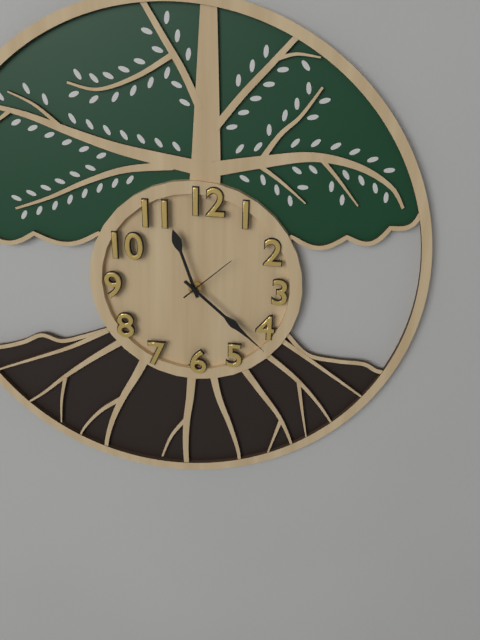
11:22:08
